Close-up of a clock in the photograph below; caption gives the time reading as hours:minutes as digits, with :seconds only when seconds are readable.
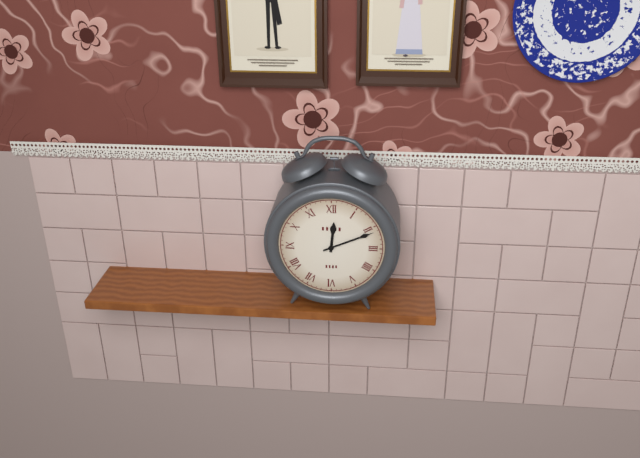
12:11
